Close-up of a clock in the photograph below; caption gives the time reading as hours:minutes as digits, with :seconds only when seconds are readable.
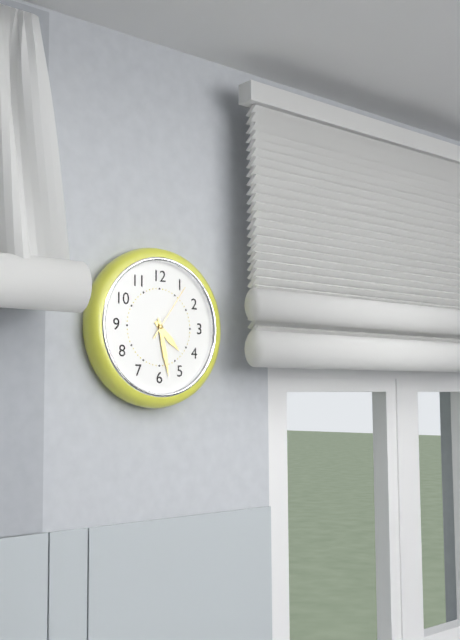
4:28:06
